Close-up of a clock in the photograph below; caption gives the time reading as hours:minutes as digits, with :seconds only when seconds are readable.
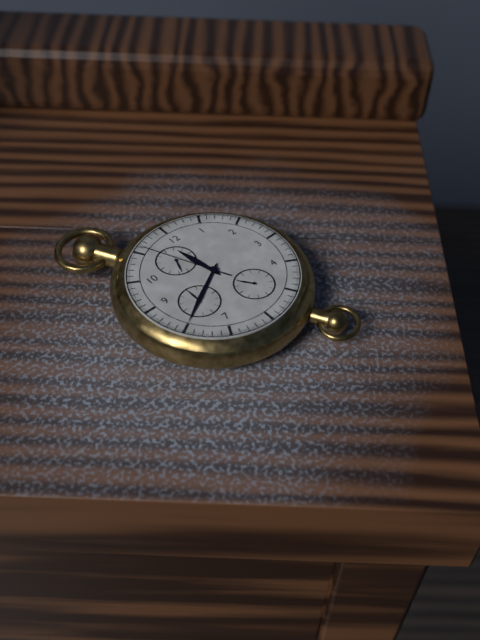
11:40:56
